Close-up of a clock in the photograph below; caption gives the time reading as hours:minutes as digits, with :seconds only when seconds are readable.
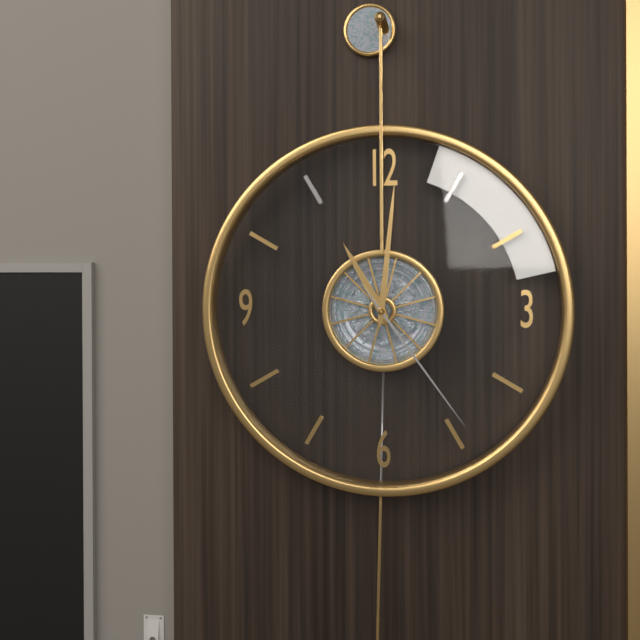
11:01:24
